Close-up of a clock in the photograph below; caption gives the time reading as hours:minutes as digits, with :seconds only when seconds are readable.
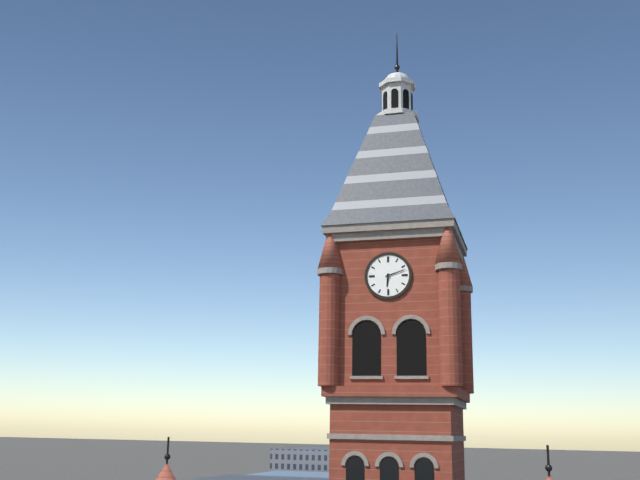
6:12
